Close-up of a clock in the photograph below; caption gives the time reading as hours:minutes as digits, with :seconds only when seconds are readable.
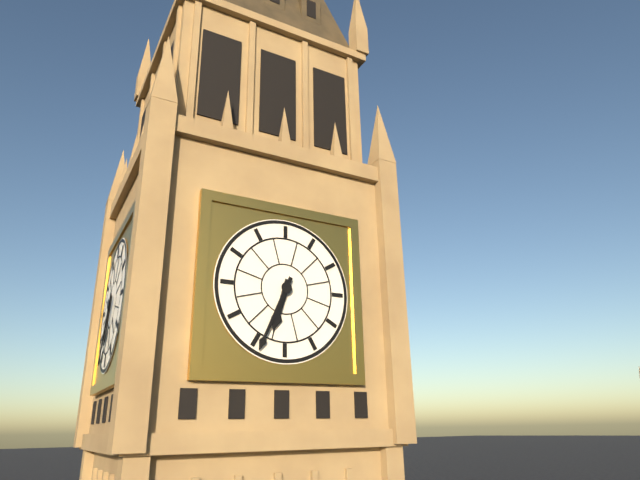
6:34
